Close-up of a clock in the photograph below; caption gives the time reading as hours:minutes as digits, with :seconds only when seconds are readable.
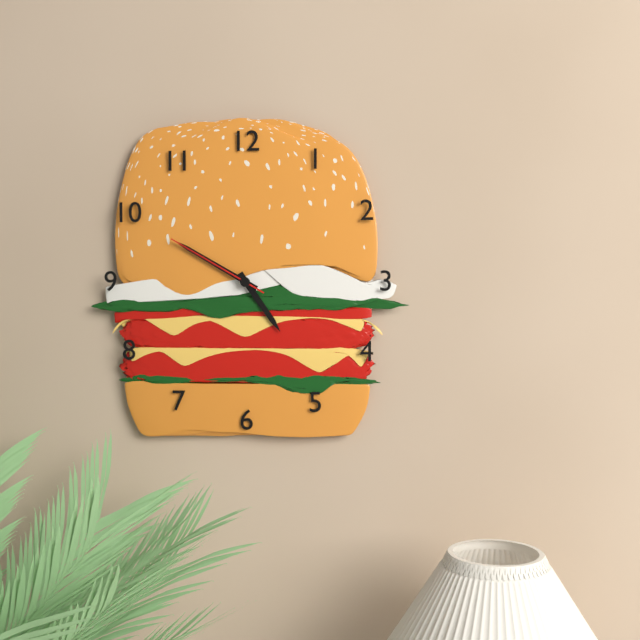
4:50:50
